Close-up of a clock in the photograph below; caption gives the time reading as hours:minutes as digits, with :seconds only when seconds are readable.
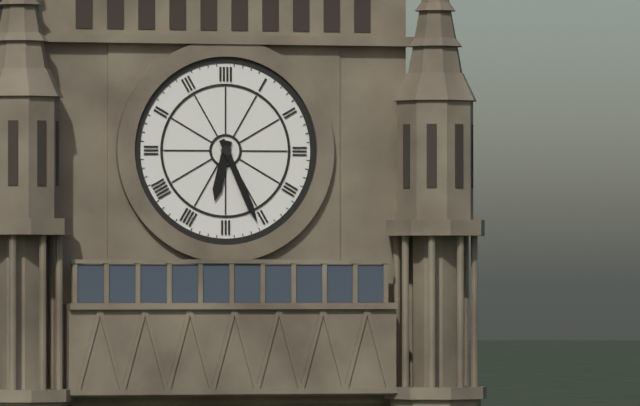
6:26
